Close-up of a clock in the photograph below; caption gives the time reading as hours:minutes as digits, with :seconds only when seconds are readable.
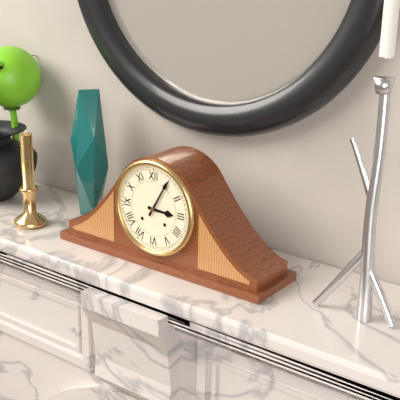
3:05
